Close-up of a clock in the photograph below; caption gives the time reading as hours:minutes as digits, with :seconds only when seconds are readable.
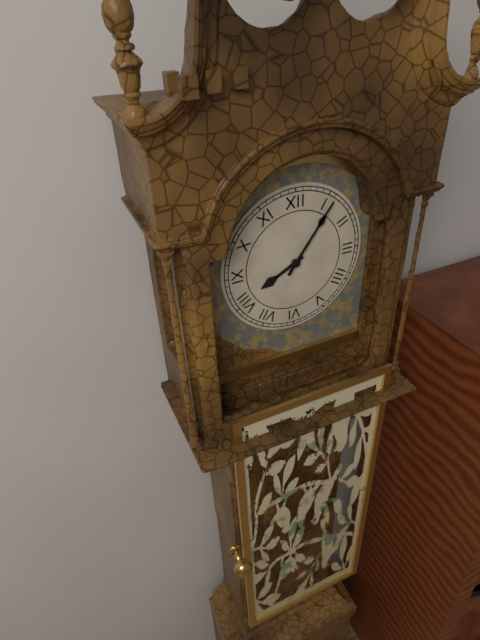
8:06
